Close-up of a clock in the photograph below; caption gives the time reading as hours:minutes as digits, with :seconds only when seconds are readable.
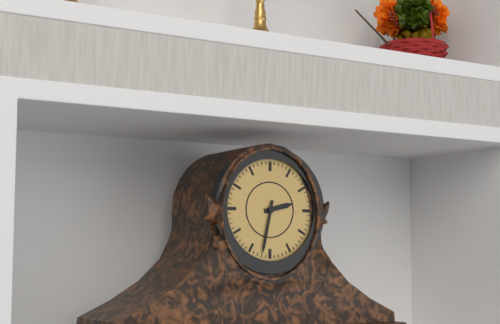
2:32
